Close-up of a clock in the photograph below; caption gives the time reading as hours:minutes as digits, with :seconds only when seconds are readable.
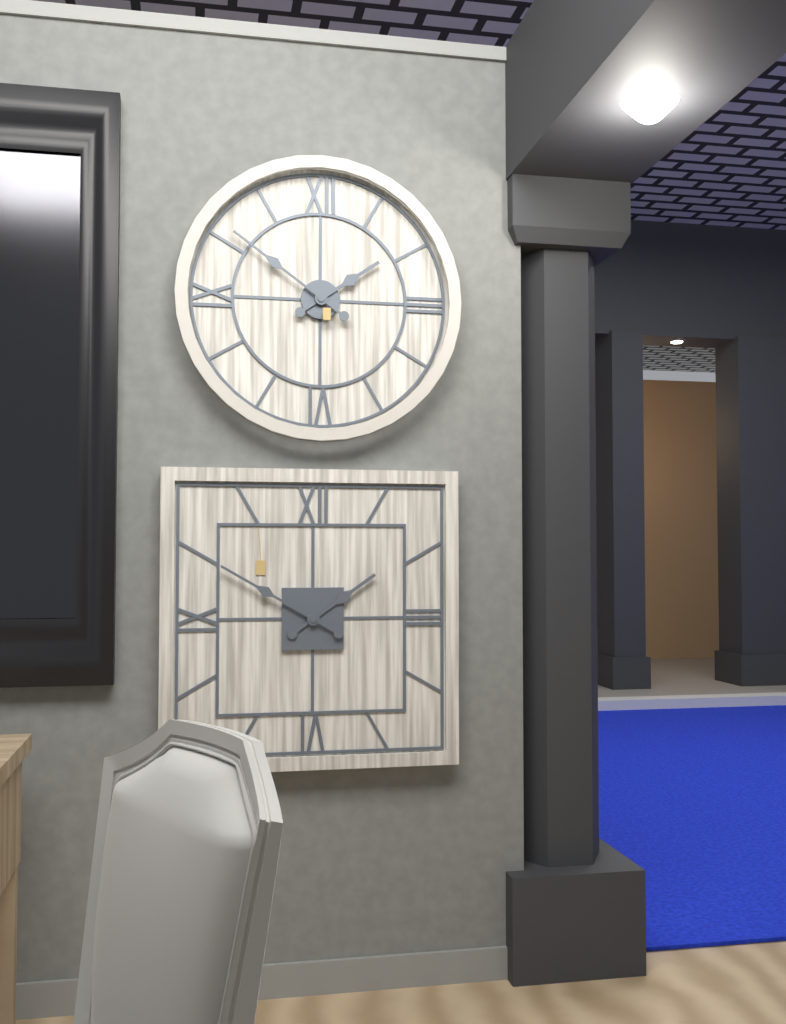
1:51
